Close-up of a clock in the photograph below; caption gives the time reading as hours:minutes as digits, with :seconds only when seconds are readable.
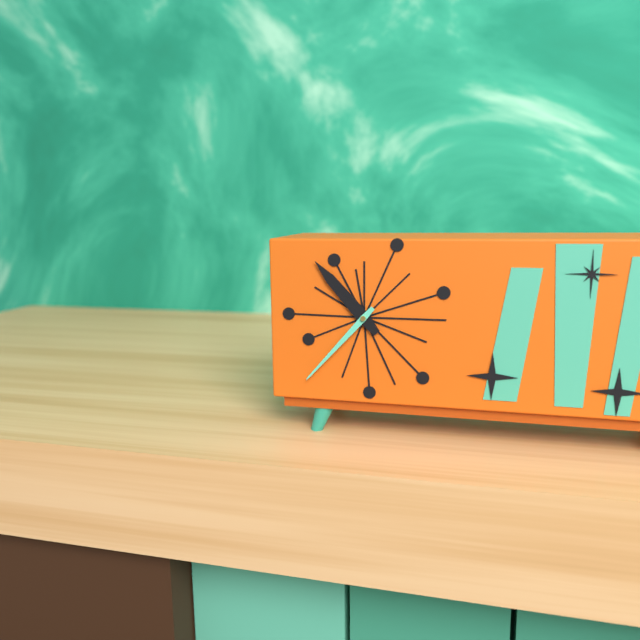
10:37
